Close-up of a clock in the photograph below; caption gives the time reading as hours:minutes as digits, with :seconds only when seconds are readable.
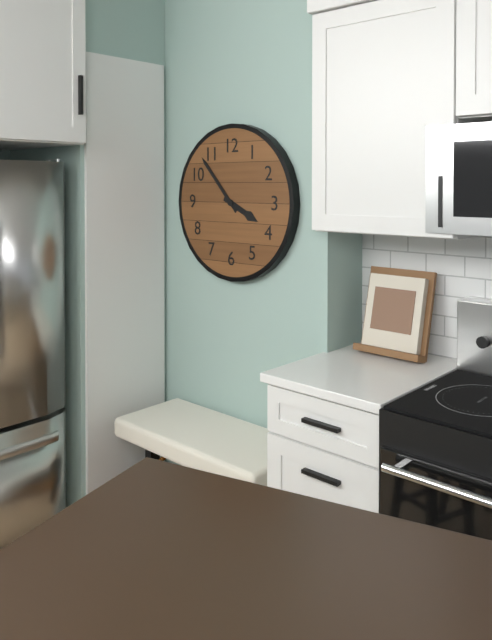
3:53
